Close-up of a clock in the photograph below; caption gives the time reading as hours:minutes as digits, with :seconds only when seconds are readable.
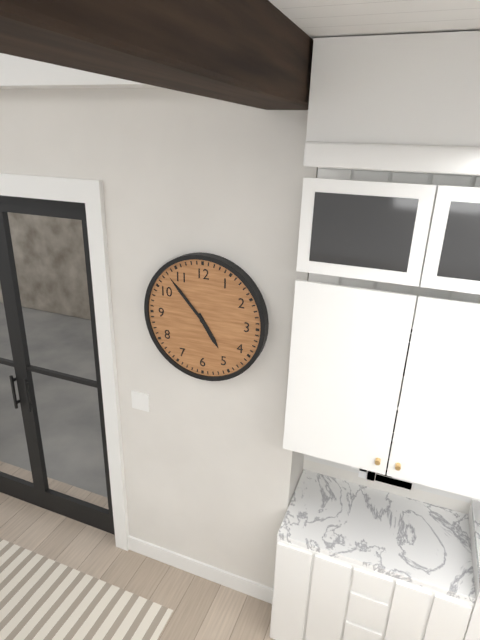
4:53
